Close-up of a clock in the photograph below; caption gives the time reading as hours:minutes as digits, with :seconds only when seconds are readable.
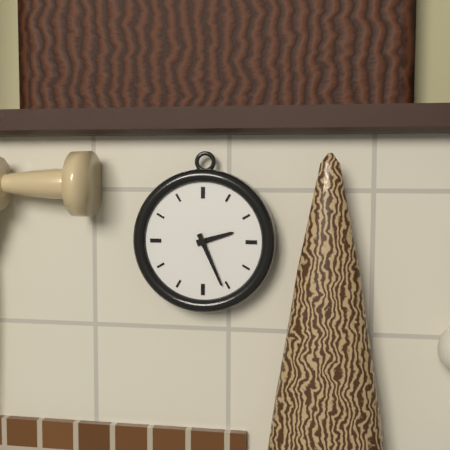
2:26
